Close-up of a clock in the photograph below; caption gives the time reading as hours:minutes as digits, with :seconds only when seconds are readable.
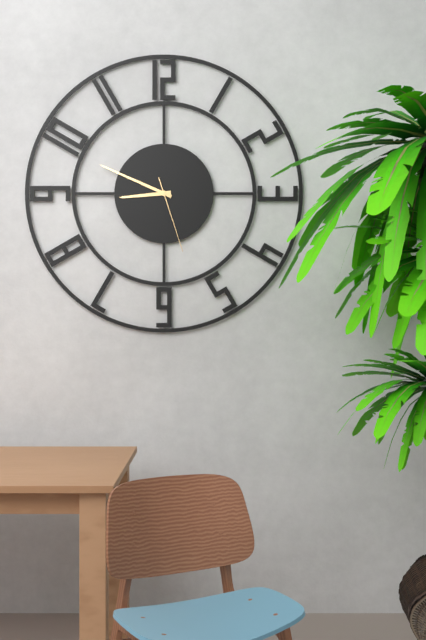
8:49:27
